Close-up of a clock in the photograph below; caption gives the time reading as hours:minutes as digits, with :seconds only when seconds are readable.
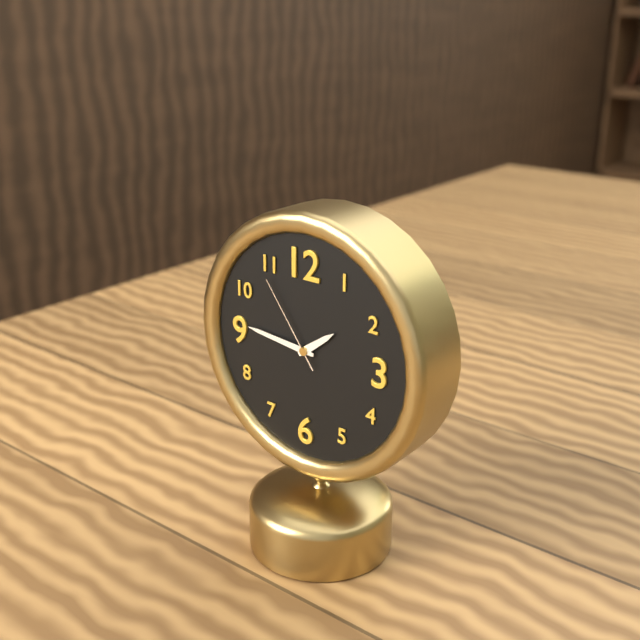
1:46:54
